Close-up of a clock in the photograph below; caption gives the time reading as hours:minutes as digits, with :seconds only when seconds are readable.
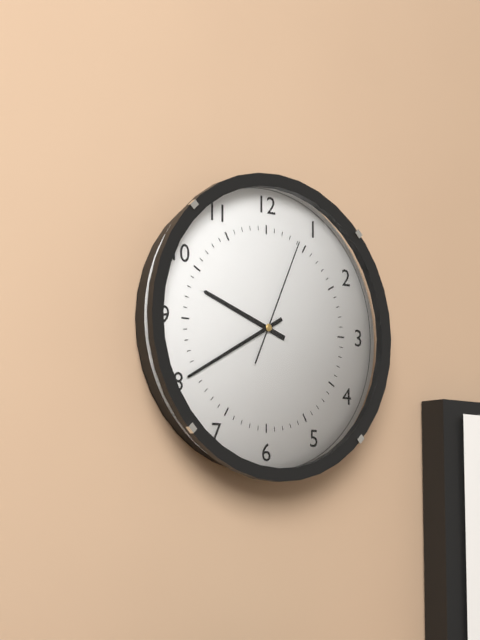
9:40:04
